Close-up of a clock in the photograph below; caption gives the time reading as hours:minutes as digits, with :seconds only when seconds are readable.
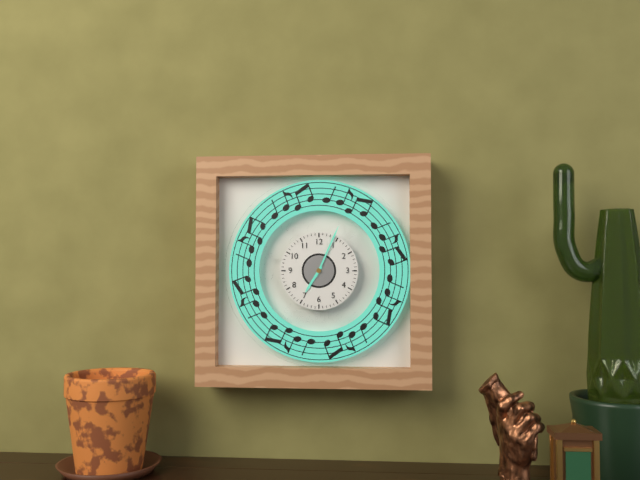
7:04
